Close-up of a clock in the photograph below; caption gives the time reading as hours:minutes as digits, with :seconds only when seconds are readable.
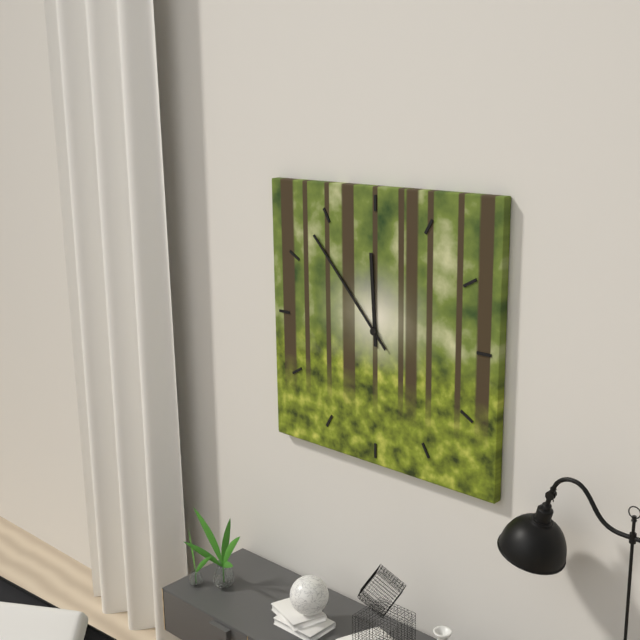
11:53
